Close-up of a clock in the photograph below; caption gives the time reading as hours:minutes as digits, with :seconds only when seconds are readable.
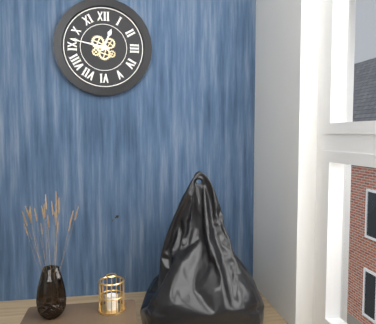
12:47
